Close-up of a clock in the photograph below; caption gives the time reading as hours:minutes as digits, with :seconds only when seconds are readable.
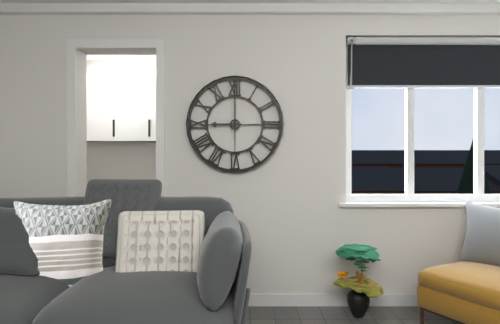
9:00
